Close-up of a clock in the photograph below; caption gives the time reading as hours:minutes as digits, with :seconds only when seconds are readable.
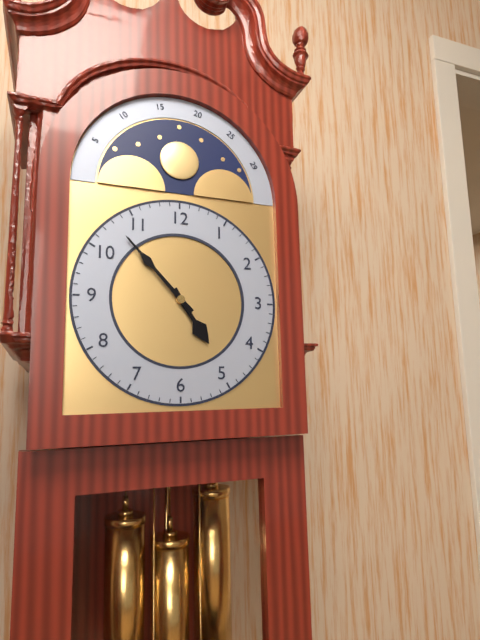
4:53
